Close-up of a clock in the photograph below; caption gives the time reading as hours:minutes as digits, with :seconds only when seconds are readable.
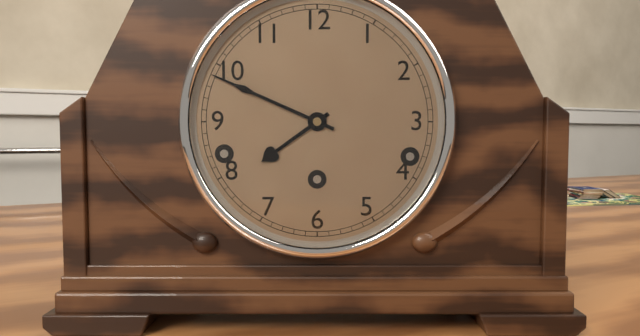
7:49
